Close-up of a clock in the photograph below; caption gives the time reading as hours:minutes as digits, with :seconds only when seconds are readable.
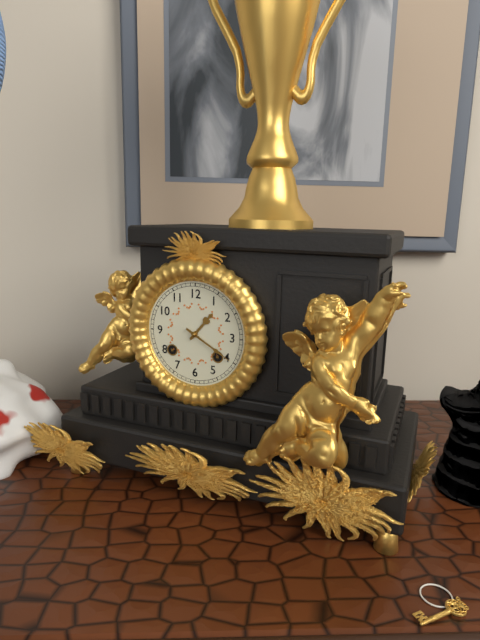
1:20
